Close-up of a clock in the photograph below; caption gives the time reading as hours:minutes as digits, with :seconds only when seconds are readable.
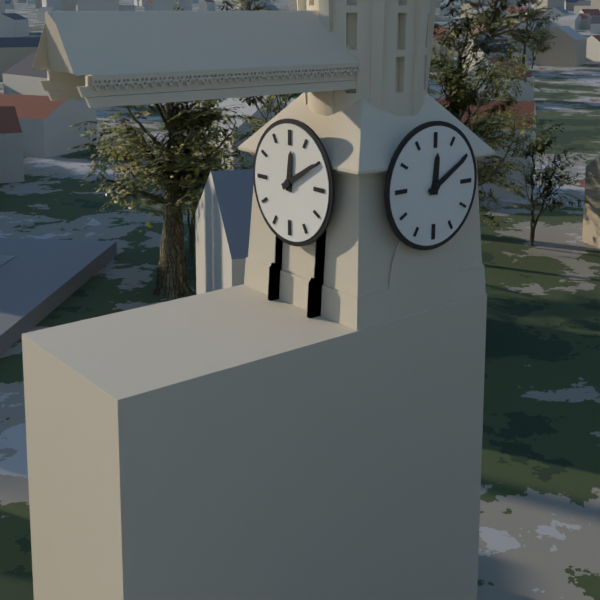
12:10
